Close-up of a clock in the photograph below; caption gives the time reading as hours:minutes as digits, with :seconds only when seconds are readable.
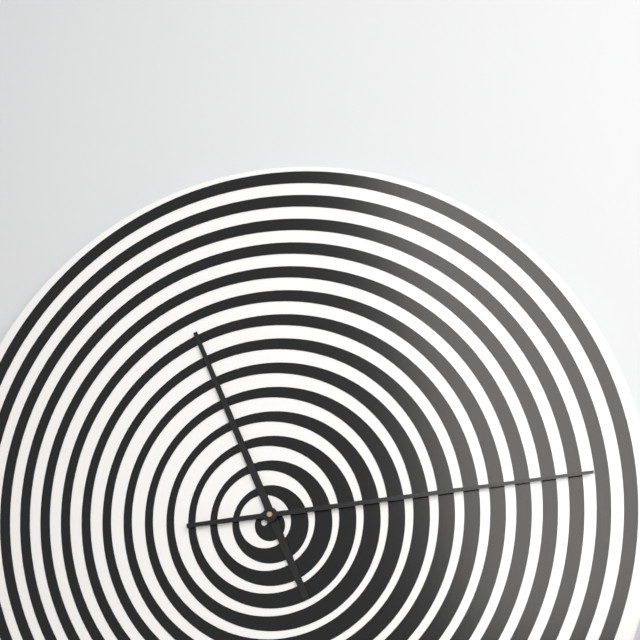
11:14
